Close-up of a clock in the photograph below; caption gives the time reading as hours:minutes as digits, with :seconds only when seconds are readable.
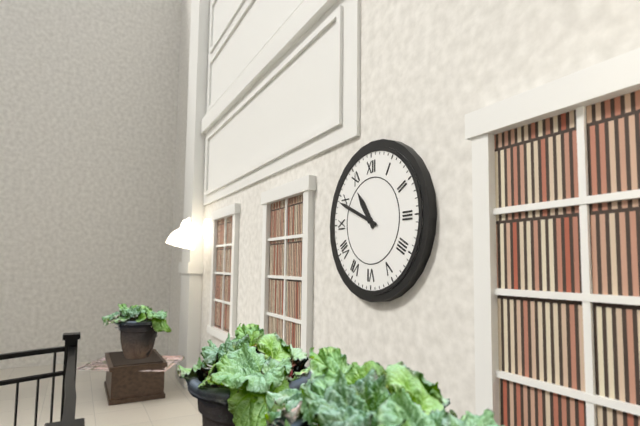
10:49
